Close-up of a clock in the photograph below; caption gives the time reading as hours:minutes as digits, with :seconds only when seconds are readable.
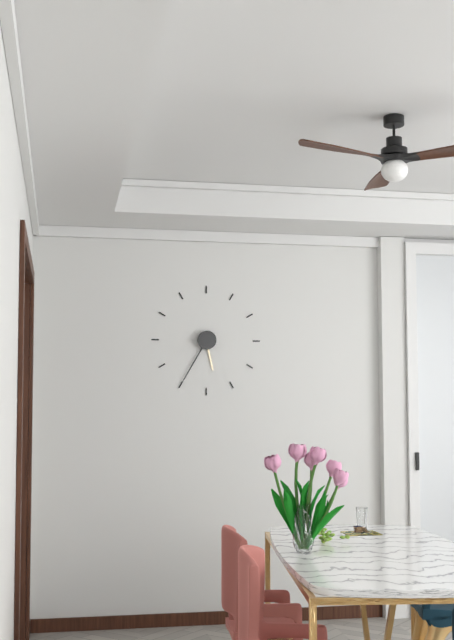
5:35
